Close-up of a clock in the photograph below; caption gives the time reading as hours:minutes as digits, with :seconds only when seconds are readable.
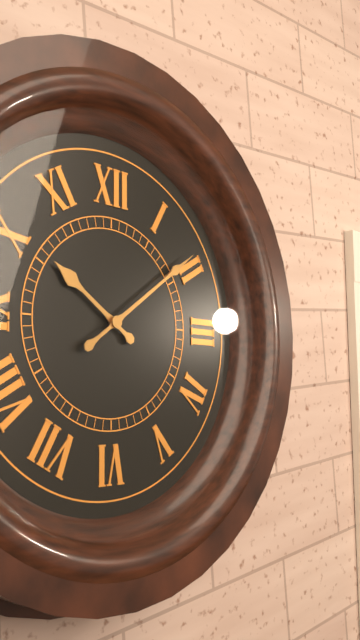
10:09
